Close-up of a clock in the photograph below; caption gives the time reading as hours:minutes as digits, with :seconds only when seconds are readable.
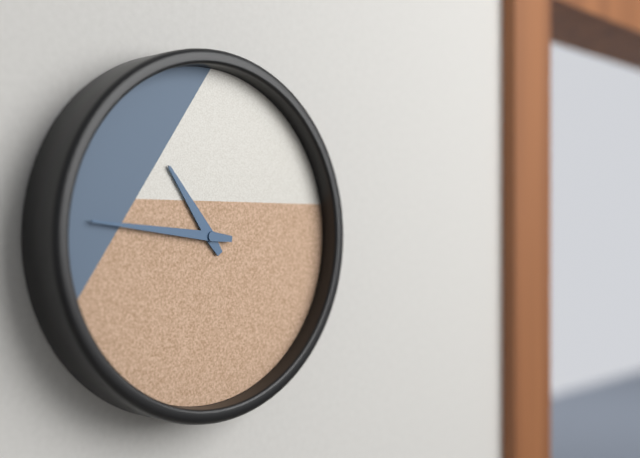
10:46
